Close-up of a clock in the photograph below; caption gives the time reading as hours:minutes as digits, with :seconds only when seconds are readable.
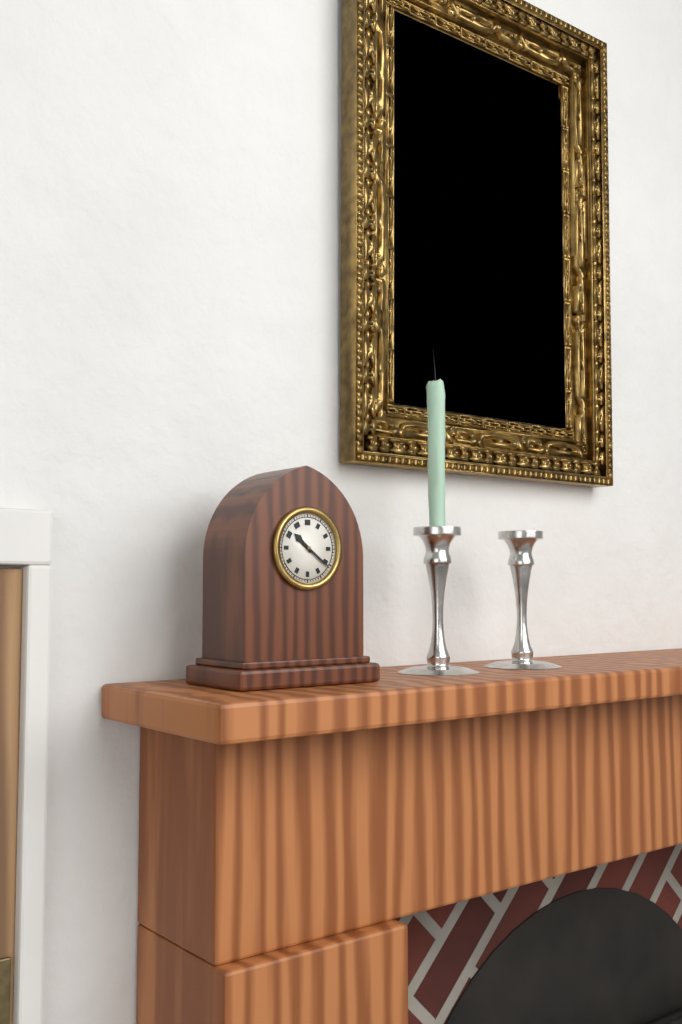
10:21
